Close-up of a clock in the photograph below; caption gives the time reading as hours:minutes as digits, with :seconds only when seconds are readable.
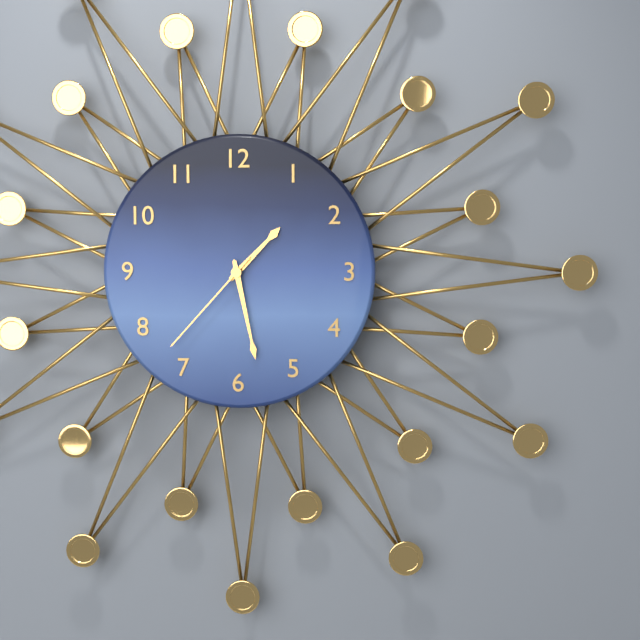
1:28:37
